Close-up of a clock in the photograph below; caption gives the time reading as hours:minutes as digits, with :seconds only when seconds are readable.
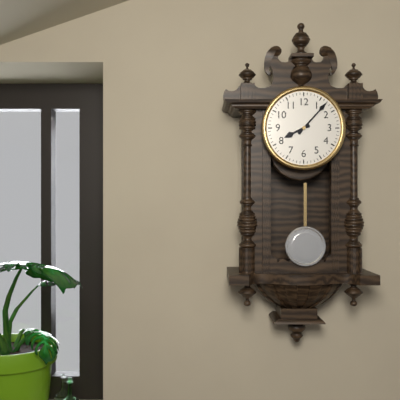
8:07
